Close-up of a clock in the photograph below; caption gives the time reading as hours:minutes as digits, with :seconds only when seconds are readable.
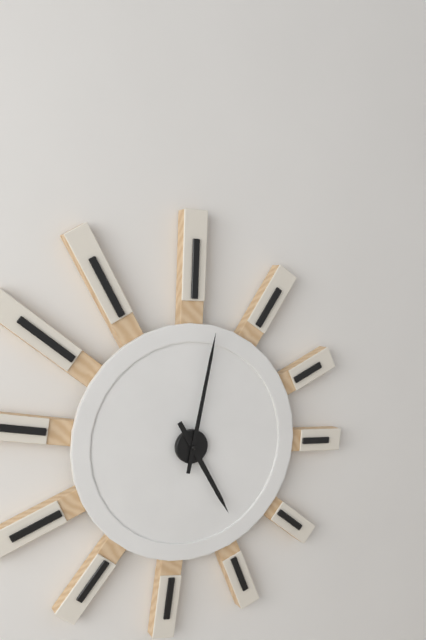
5:02
